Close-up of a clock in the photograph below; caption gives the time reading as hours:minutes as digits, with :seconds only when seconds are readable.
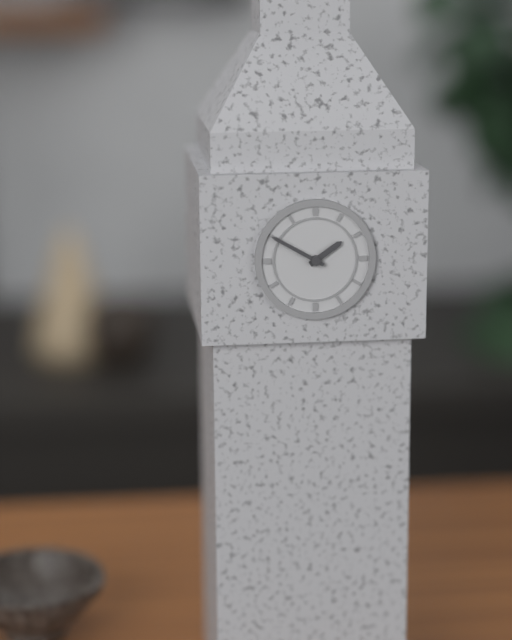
1:50
